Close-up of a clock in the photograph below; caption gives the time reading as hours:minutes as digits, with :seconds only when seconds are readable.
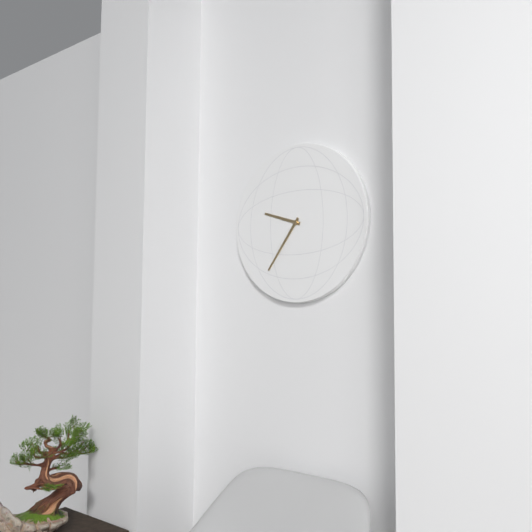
9:36
